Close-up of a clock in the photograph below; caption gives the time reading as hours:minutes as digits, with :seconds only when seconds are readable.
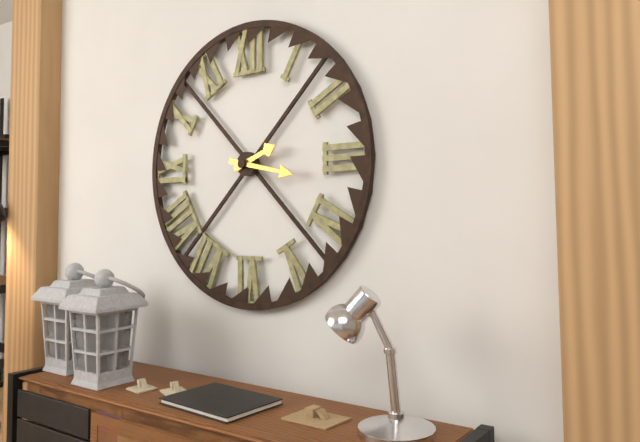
2:17
